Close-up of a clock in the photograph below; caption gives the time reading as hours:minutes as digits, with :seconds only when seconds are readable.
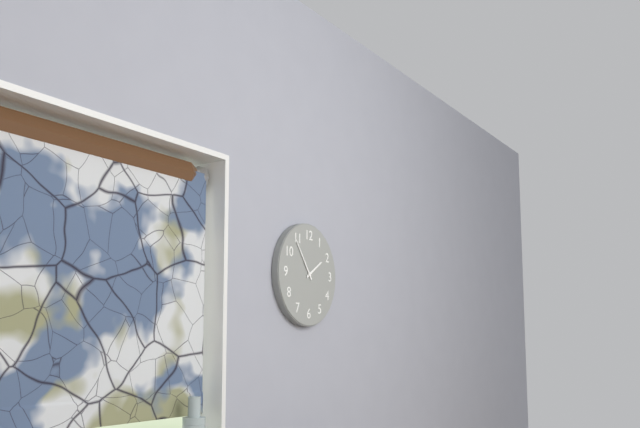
1:54
